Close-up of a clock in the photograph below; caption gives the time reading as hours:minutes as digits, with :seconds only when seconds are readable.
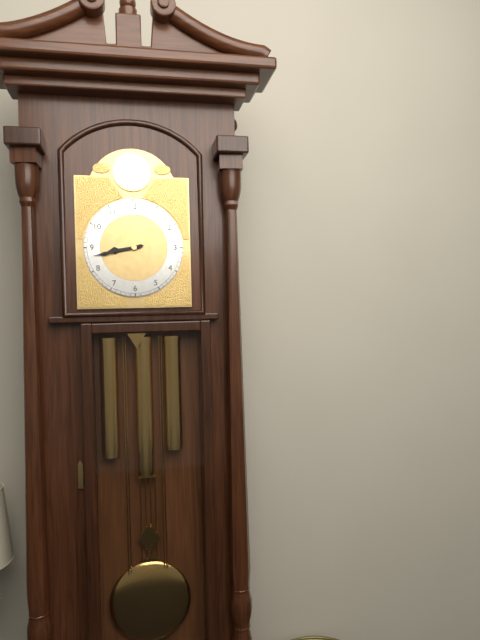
8:43
